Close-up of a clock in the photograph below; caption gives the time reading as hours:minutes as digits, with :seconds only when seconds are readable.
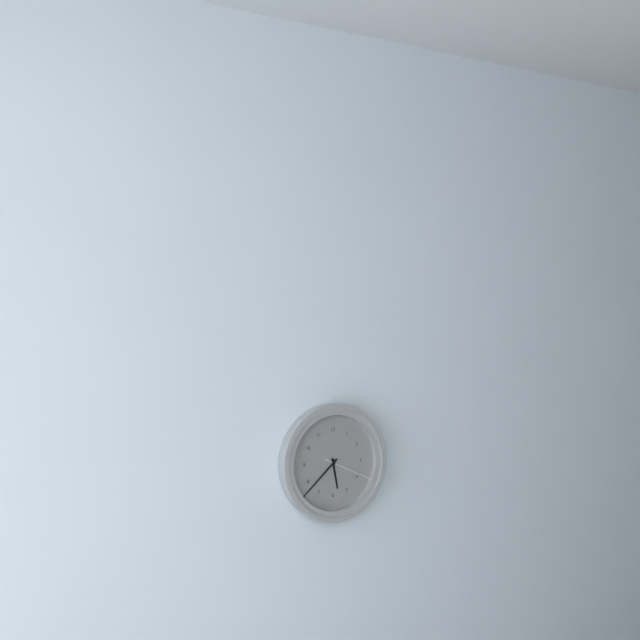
5:38:19
